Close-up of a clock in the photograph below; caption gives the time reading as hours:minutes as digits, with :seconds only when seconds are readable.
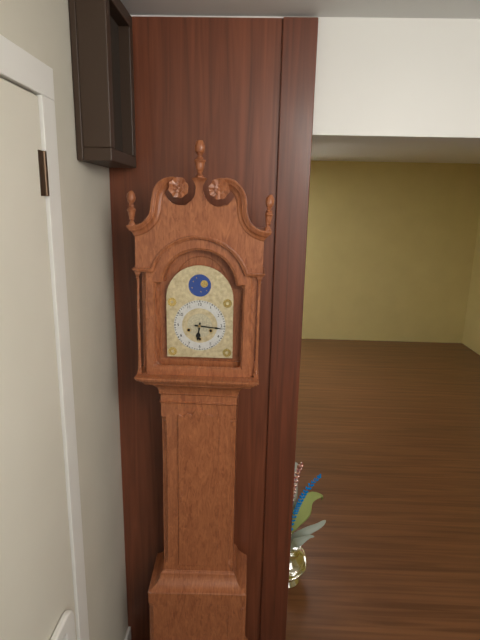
6:16
